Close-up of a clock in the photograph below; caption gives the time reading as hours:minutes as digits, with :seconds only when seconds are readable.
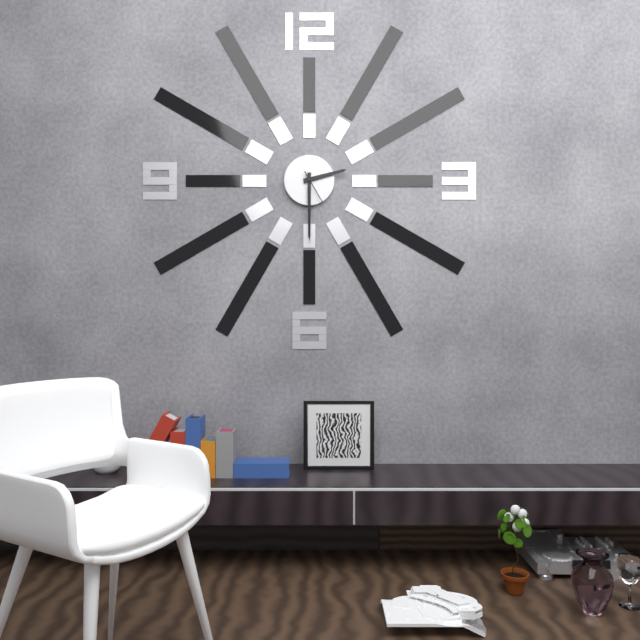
2:30
